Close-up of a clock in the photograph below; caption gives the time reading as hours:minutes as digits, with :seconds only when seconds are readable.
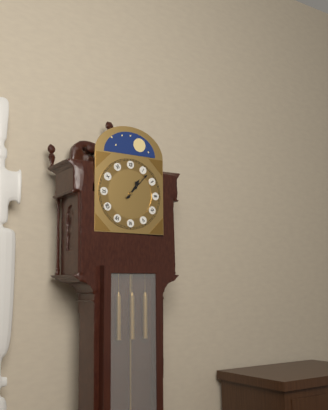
1:07
